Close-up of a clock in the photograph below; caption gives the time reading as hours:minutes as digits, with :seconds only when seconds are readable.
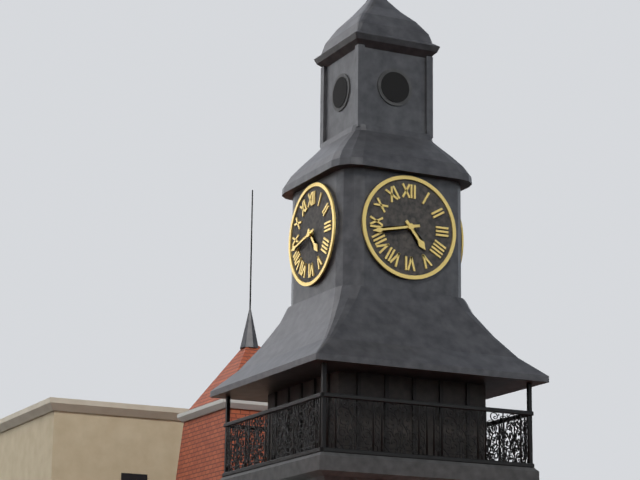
4:43
